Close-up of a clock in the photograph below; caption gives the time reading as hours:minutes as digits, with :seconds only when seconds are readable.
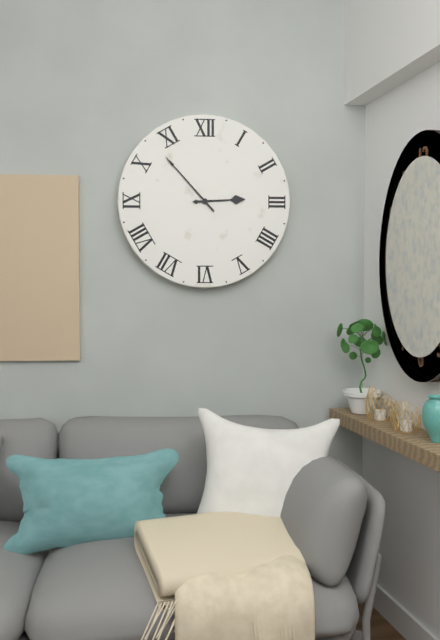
2:53
